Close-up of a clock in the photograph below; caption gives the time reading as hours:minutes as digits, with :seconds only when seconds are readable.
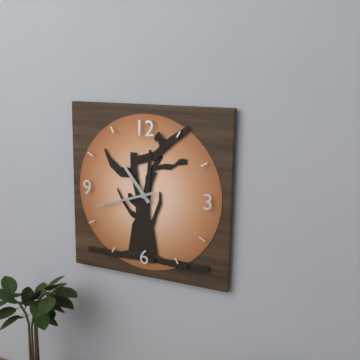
10:42
